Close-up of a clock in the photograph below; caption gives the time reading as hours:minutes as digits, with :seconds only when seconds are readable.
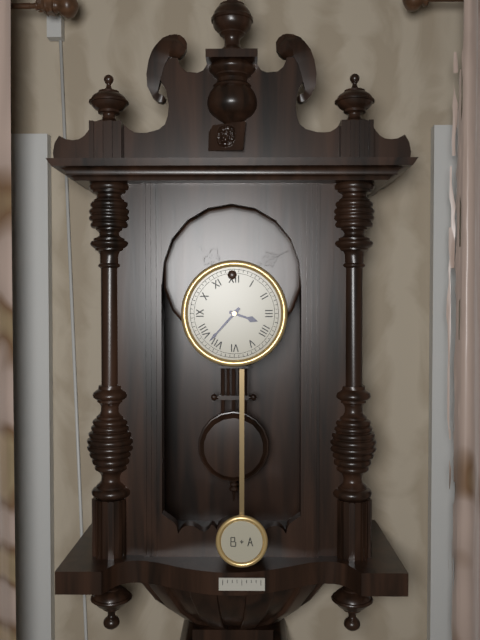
3:37
